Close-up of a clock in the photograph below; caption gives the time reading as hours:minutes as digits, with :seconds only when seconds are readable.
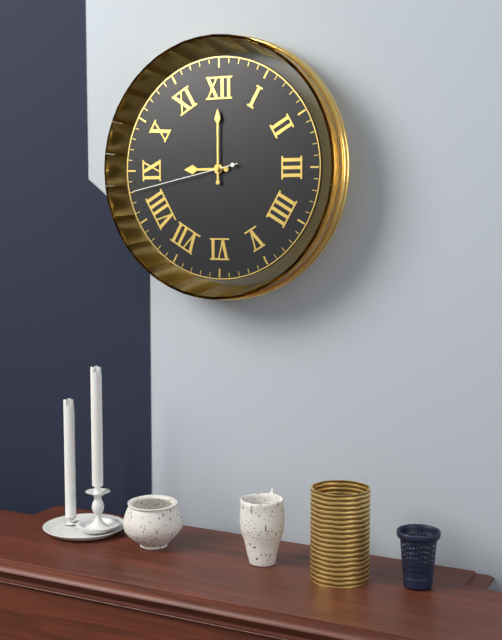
9:00:43
